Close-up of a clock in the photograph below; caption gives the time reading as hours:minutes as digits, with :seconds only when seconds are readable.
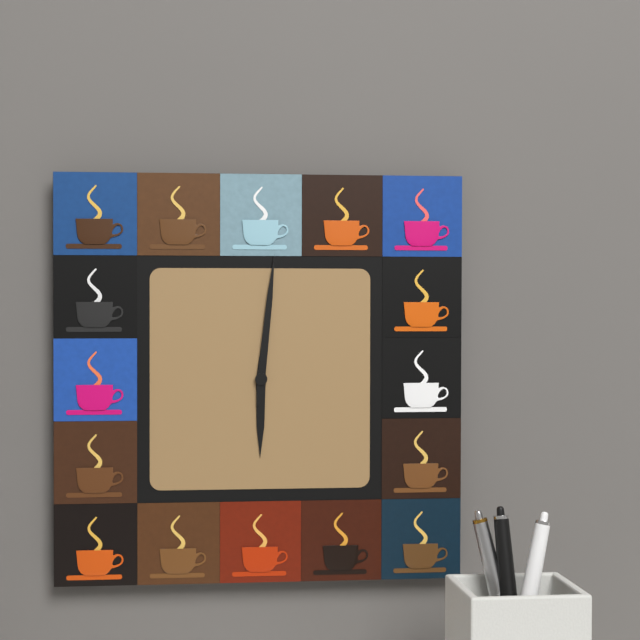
6:01
